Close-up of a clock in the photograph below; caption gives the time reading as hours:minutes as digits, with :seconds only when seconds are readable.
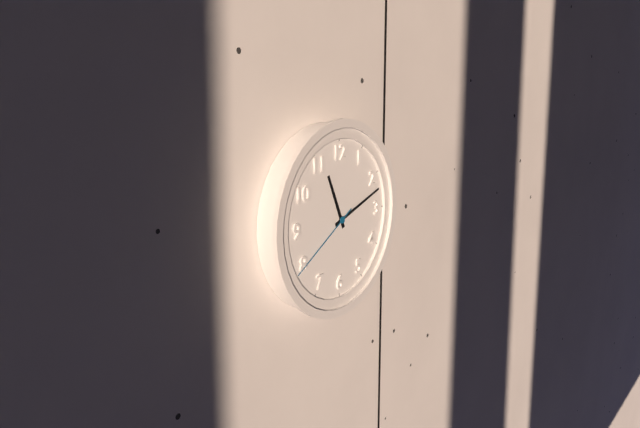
11:12:40
